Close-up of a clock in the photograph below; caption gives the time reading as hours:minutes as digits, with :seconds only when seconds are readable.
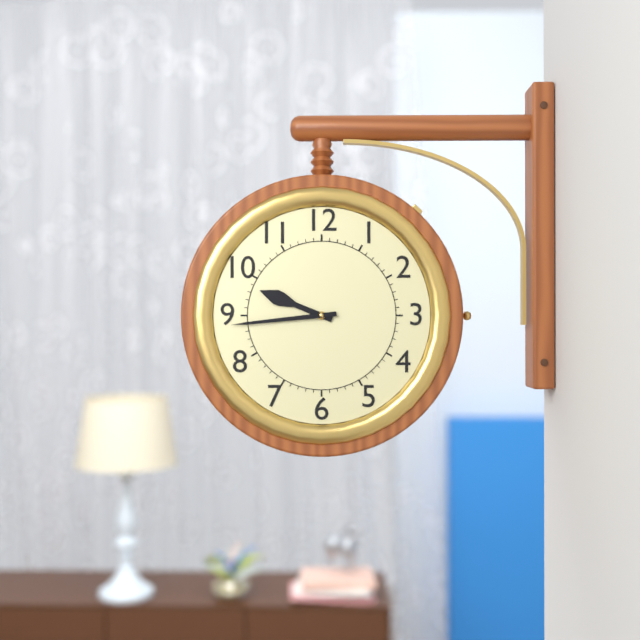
9:44
